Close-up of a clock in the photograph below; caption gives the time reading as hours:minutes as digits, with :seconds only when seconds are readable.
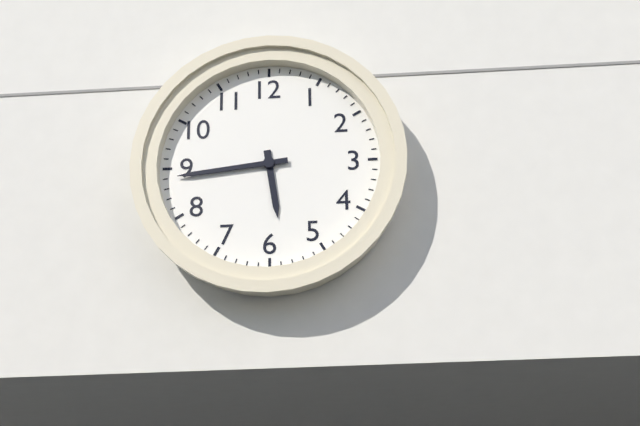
5:44
